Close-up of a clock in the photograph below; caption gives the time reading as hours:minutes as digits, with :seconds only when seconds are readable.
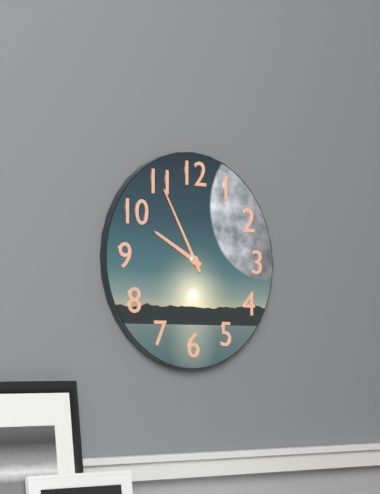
9:55
